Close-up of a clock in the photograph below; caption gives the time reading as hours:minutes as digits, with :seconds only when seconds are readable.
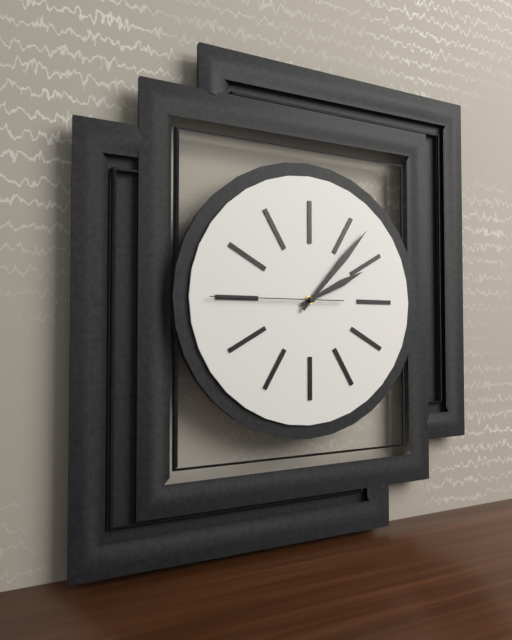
2:07:45
